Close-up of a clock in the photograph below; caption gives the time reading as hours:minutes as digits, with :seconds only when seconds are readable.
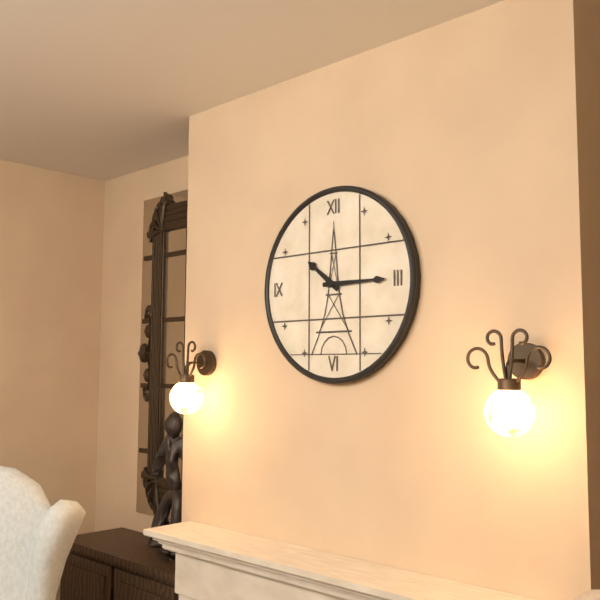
10:15
